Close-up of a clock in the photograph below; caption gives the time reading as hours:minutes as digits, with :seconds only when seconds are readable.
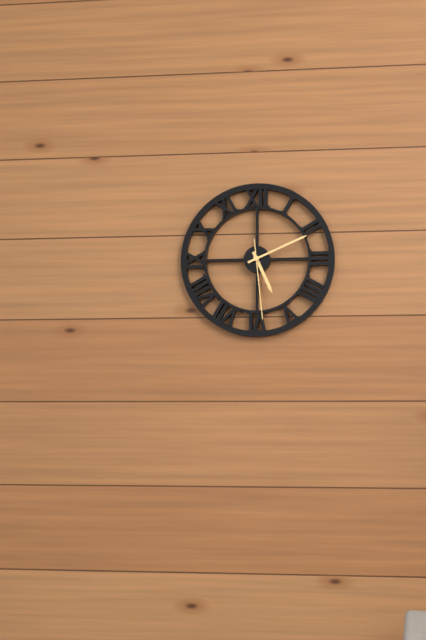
5:11:29
